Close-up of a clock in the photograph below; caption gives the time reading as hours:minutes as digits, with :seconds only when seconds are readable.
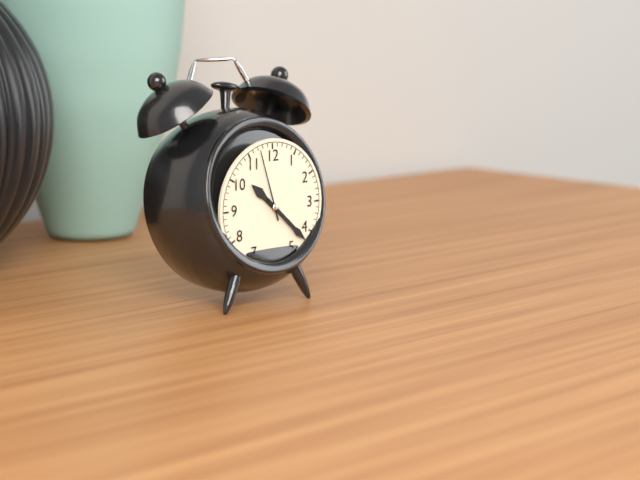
10:22:57
